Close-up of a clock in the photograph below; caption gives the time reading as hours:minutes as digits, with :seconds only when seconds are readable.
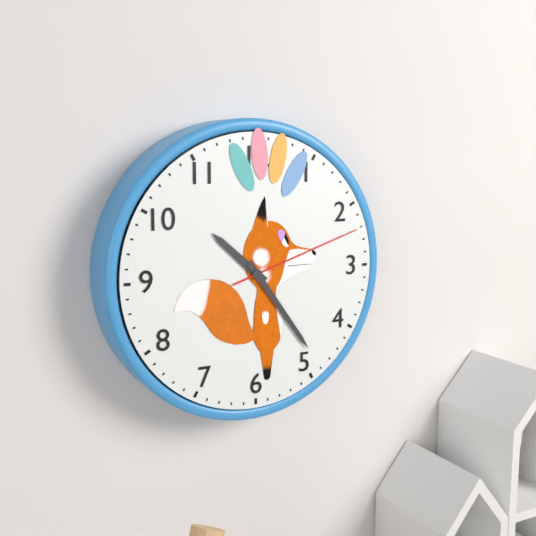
10:24:12
